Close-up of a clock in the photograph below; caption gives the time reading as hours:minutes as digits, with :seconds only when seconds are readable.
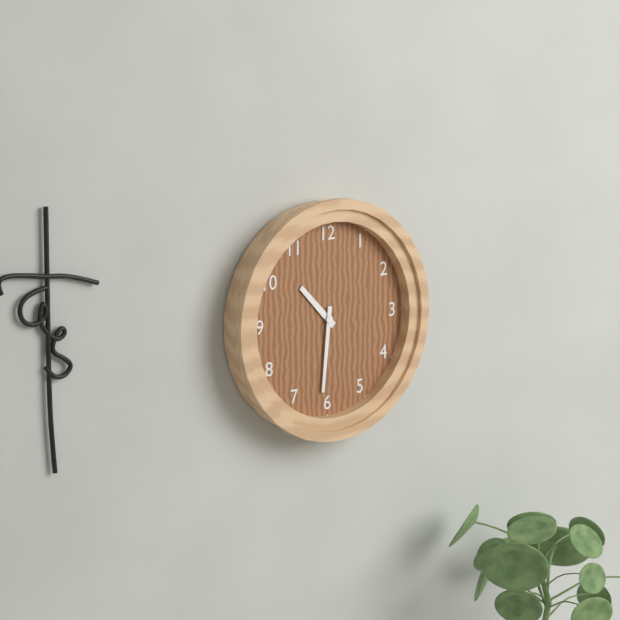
10:31
